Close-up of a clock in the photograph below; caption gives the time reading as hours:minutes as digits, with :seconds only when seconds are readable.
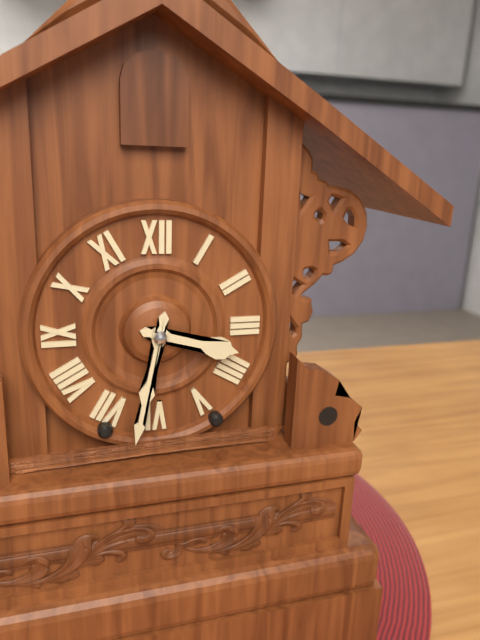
3:32
